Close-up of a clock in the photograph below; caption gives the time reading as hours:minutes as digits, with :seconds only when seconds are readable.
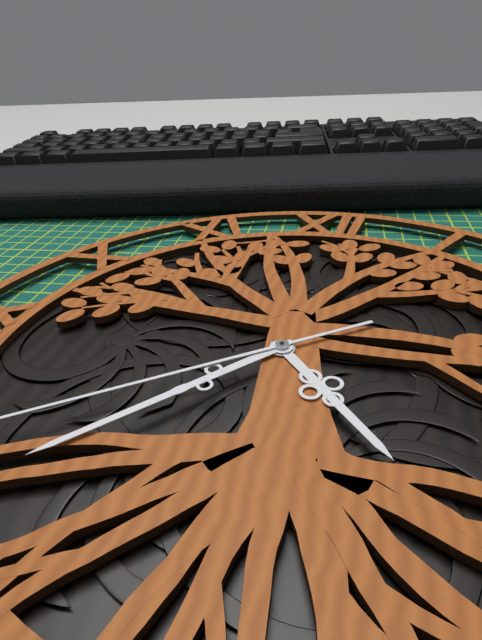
4:37
